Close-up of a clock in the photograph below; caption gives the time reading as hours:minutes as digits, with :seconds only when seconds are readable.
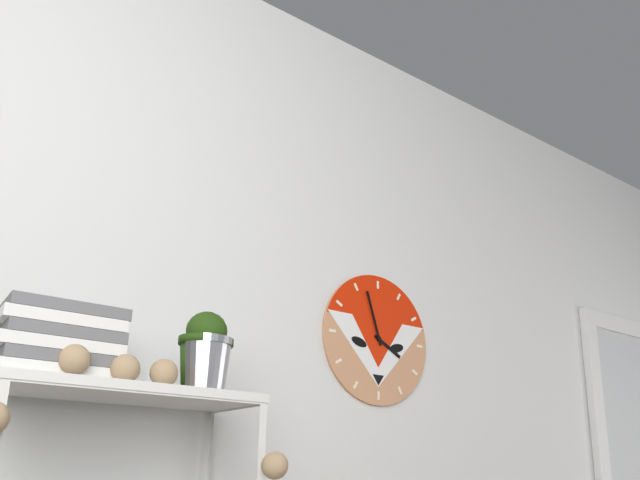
3:57
